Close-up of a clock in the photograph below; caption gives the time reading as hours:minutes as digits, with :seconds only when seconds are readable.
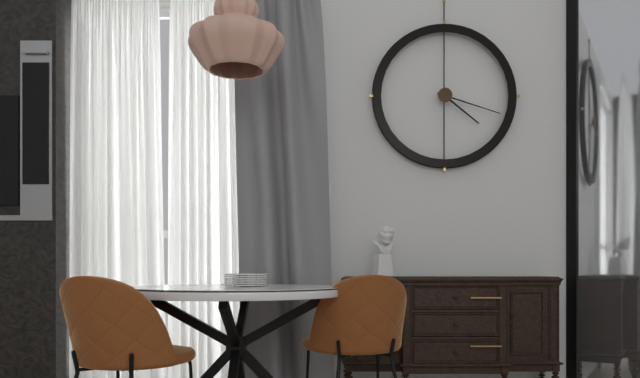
4:18
